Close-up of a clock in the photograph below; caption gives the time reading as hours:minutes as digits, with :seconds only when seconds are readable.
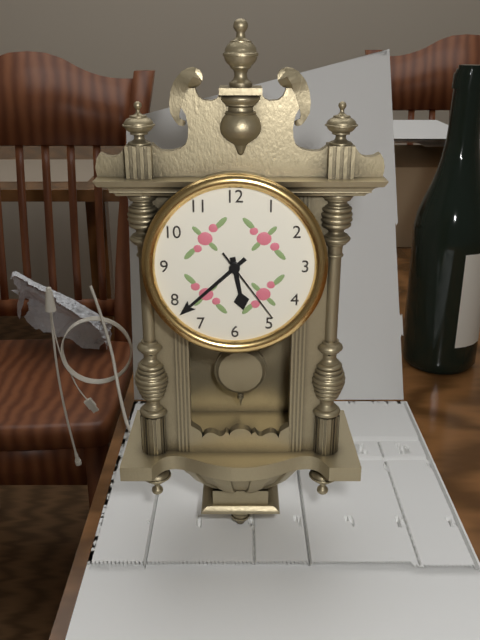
5:38:24
